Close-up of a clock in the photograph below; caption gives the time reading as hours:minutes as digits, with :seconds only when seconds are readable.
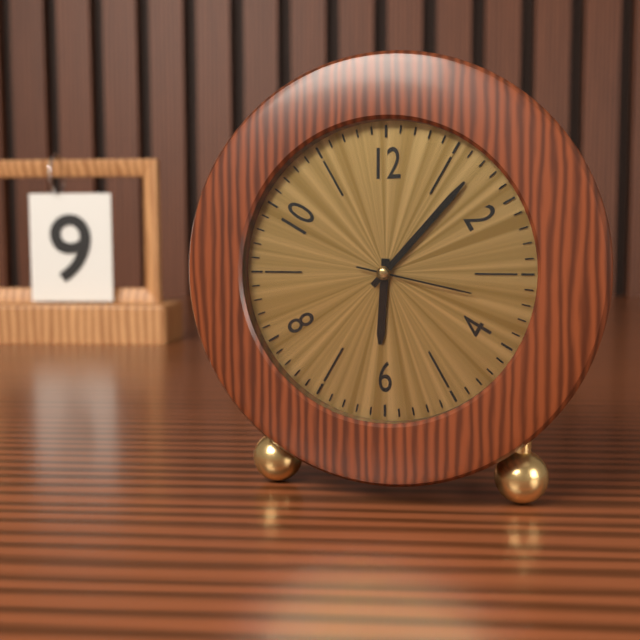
6:07:17
